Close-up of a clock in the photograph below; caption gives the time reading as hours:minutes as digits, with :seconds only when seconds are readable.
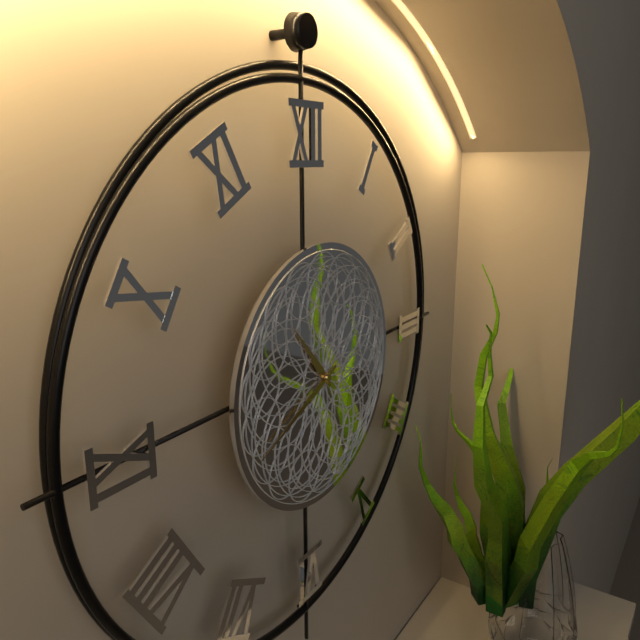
10:41
